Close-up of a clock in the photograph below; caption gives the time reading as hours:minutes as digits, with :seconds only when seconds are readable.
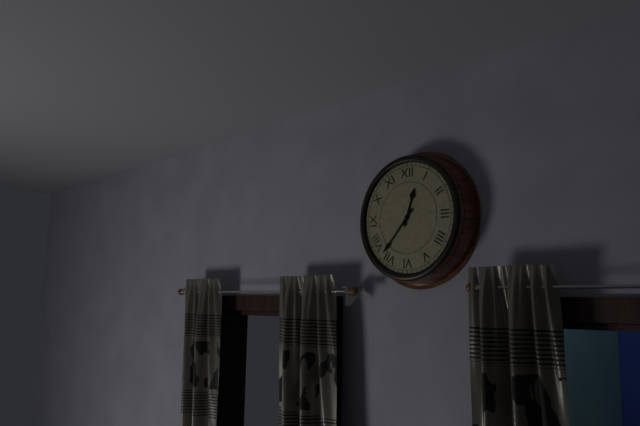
12:37
